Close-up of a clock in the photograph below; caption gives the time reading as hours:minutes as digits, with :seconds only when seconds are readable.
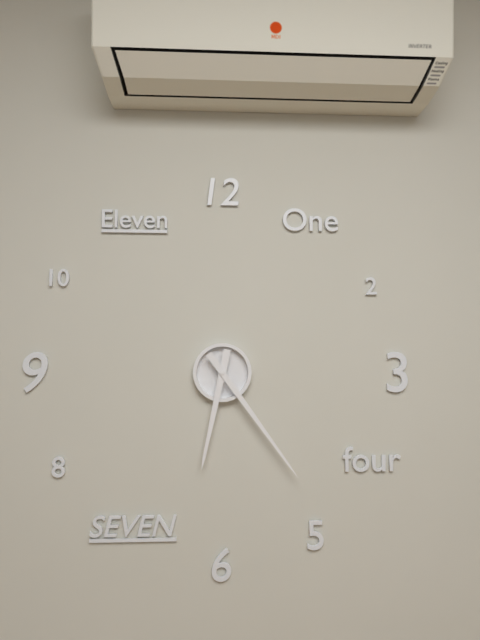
6:24
